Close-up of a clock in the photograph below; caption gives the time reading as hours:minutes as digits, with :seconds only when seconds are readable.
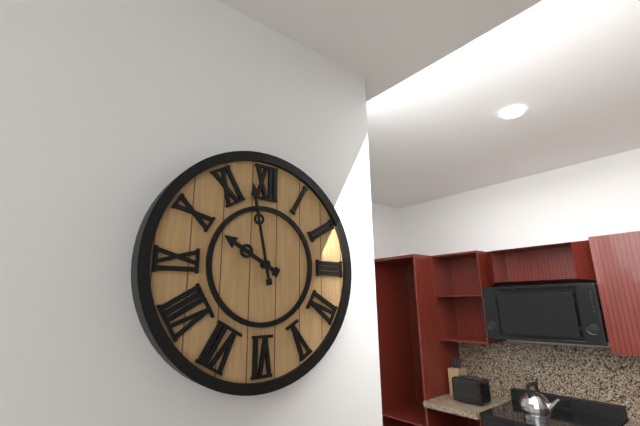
9:58
